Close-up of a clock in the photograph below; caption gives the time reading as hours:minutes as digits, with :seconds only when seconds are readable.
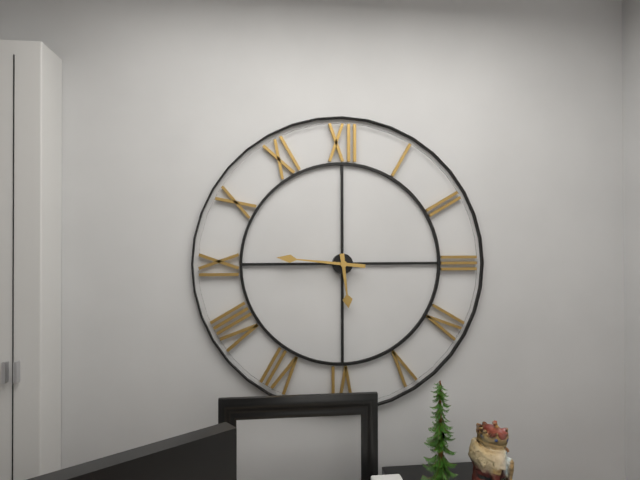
5:46
